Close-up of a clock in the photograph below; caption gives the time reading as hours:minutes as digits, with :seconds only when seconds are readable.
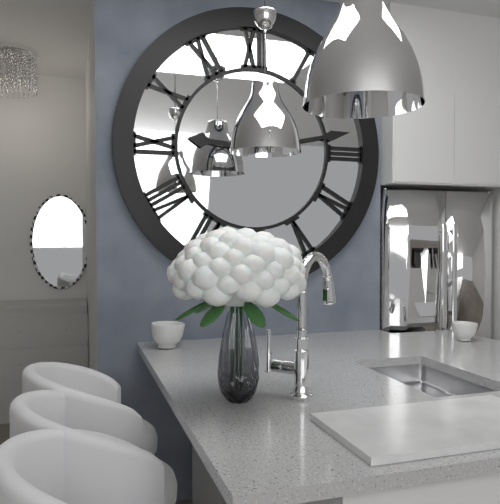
9:13
